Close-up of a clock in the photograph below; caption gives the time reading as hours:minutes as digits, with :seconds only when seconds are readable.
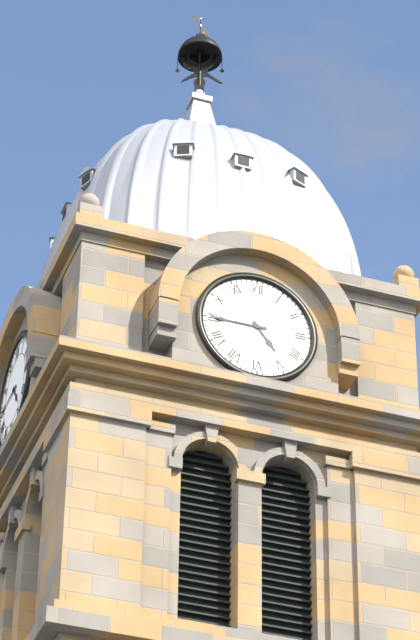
4:45
